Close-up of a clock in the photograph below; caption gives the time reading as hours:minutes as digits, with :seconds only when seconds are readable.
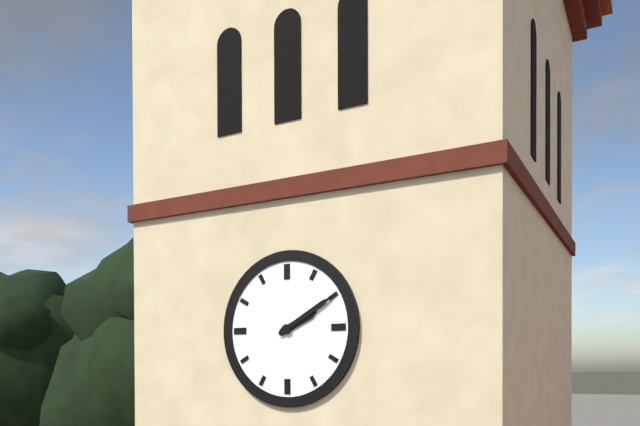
2:10
